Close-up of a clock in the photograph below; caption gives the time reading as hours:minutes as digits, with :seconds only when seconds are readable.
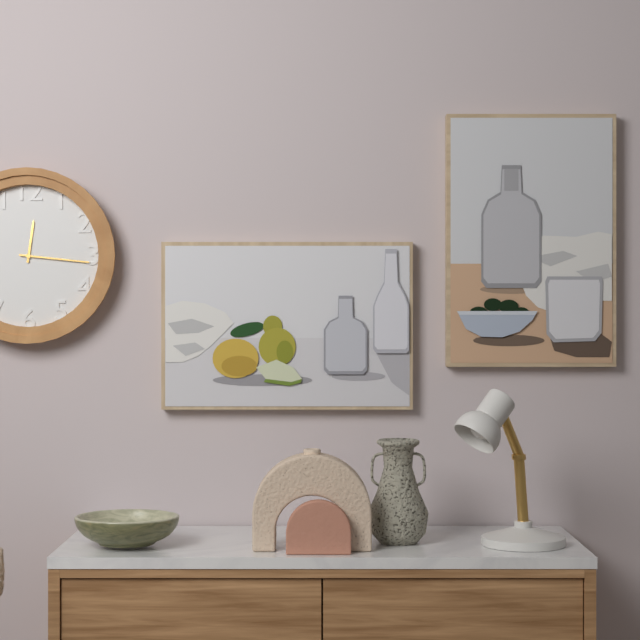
12:16
